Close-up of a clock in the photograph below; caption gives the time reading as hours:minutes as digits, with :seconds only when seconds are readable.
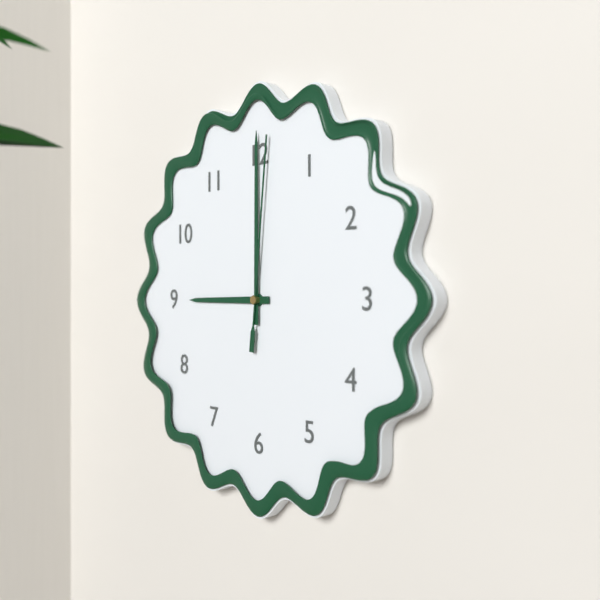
9:00:01
